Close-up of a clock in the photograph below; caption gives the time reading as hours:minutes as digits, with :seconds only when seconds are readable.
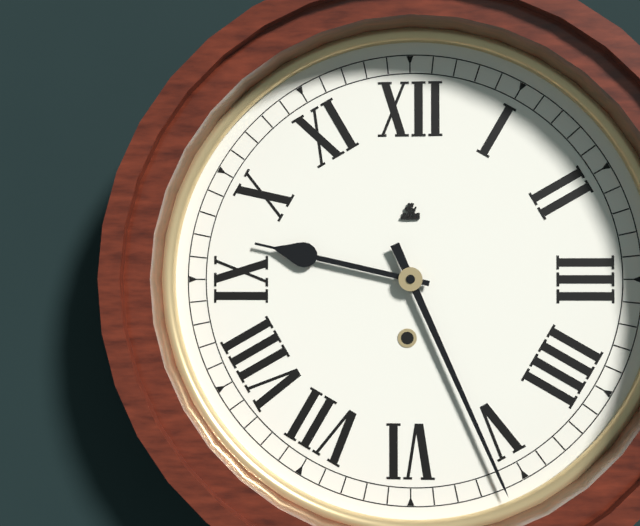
9:26
